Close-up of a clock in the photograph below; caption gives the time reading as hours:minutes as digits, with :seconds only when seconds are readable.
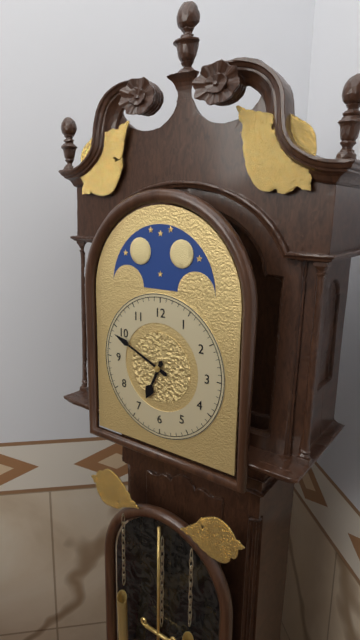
6:49
